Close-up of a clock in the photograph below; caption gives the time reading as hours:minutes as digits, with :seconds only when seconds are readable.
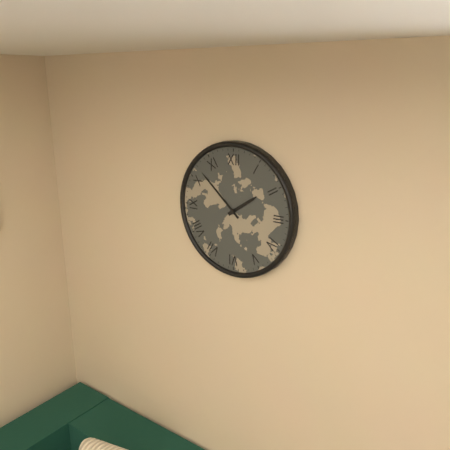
1:52
